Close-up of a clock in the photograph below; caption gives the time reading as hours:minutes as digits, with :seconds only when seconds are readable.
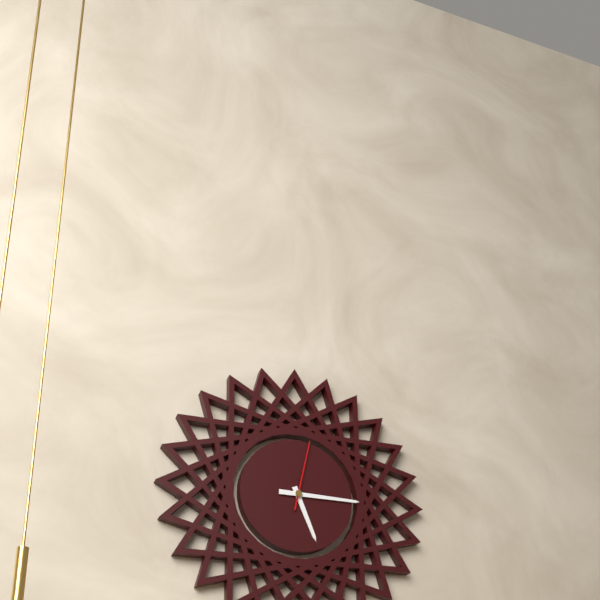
5:15:02
